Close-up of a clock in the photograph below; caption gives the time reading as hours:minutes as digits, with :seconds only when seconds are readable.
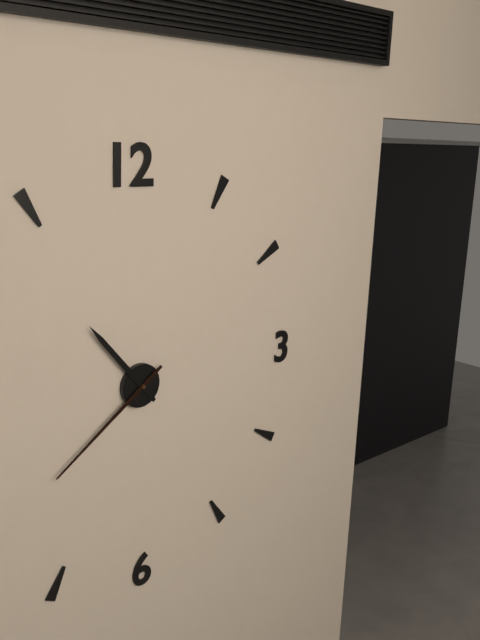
10:39
